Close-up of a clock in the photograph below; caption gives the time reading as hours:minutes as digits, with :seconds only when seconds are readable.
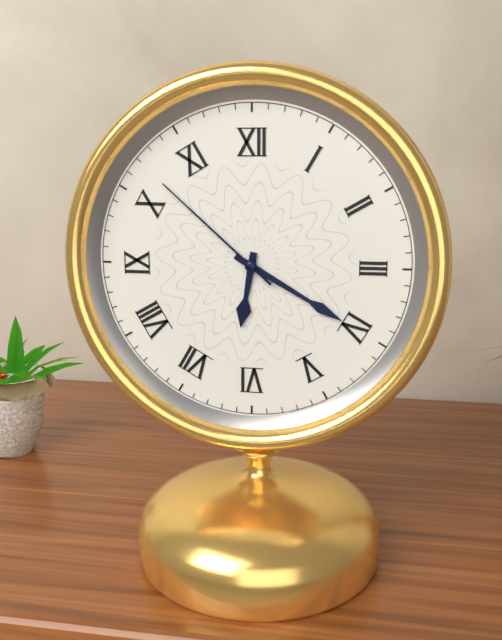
6:20:52
